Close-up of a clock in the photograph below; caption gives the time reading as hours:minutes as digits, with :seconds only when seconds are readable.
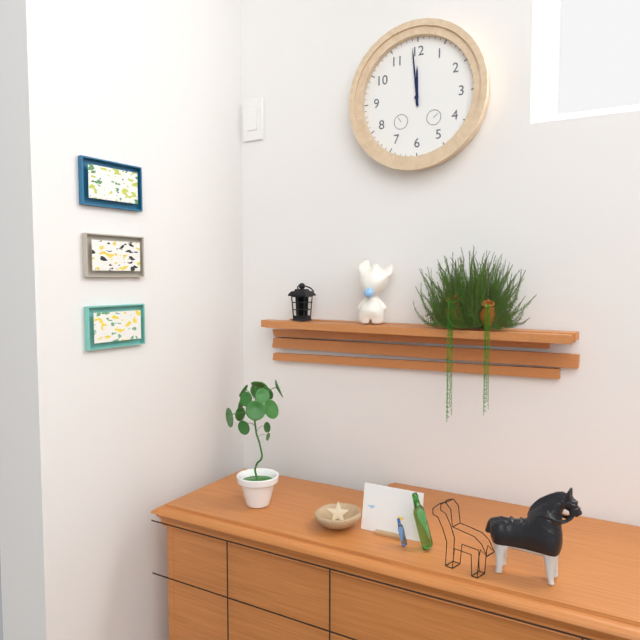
11:59
